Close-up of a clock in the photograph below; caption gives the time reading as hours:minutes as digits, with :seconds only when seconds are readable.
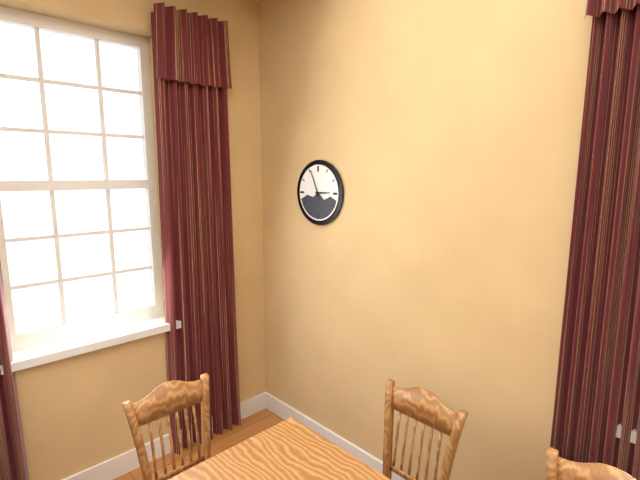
2:56
